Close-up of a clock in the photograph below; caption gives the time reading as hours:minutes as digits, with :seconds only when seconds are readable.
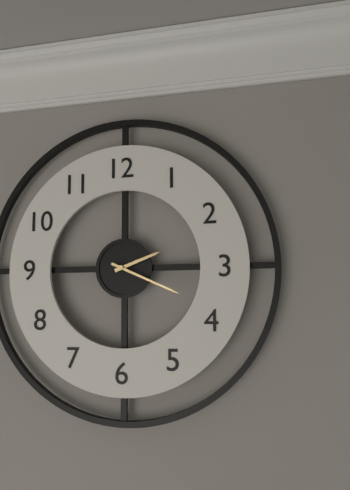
2:19
